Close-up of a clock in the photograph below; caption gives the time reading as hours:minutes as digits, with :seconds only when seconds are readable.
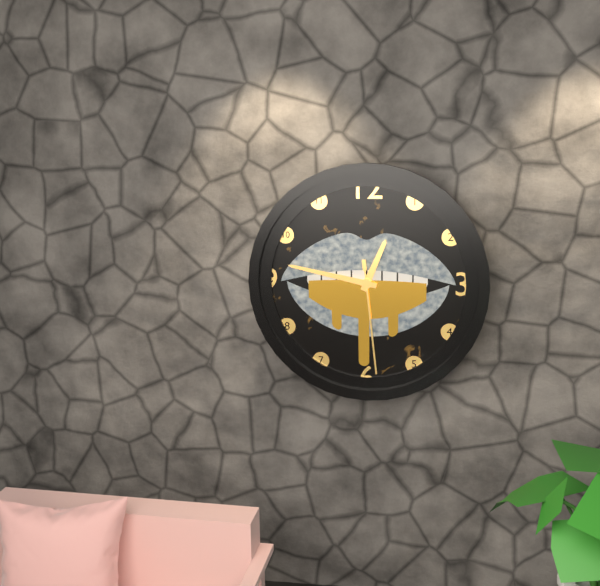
12:47:29
